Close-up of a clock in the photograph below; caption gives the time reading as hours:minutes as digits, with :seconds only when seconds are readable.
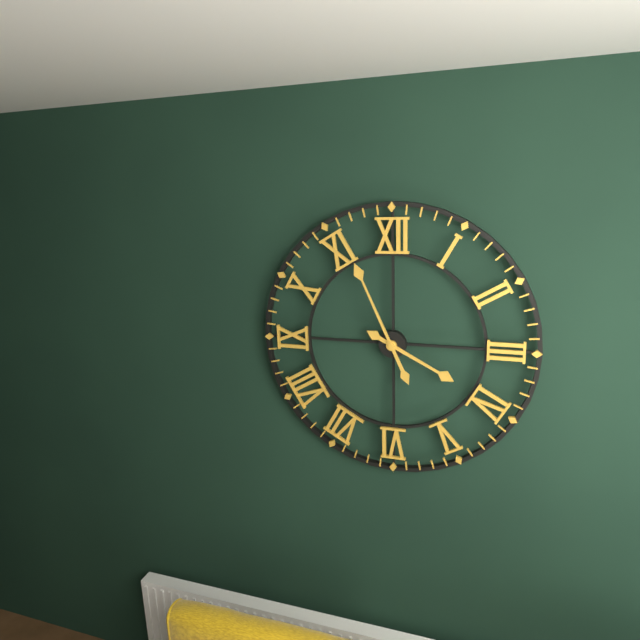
3:56
